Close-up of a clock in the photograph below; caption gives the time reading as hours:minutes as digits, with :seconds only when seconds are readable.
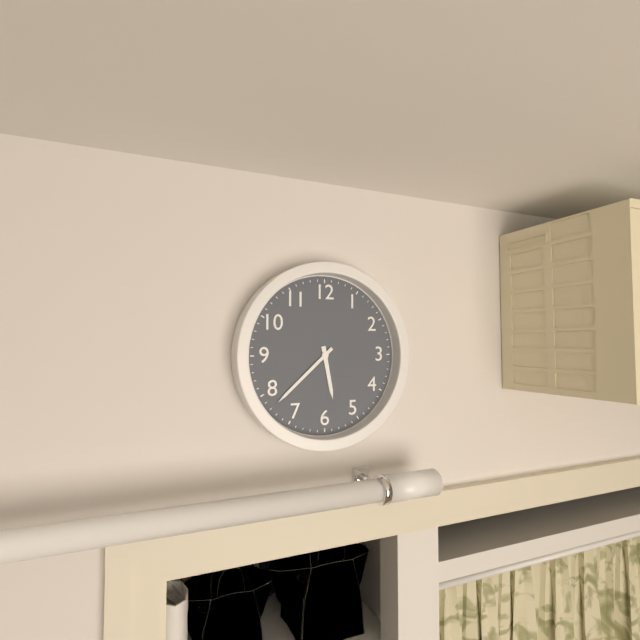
5:38
